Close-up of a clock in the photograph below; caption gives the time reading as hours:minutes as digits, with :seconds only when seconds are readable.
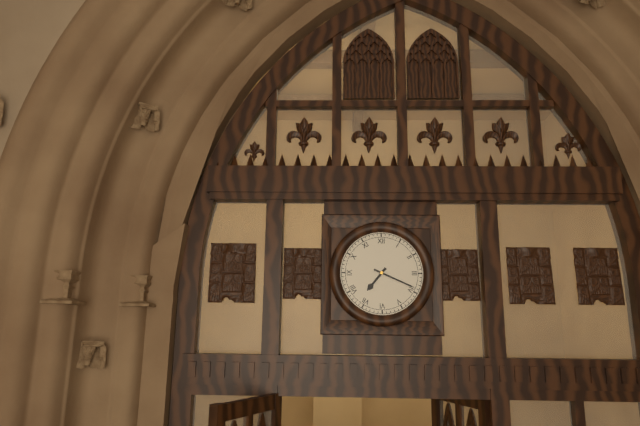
7:19
